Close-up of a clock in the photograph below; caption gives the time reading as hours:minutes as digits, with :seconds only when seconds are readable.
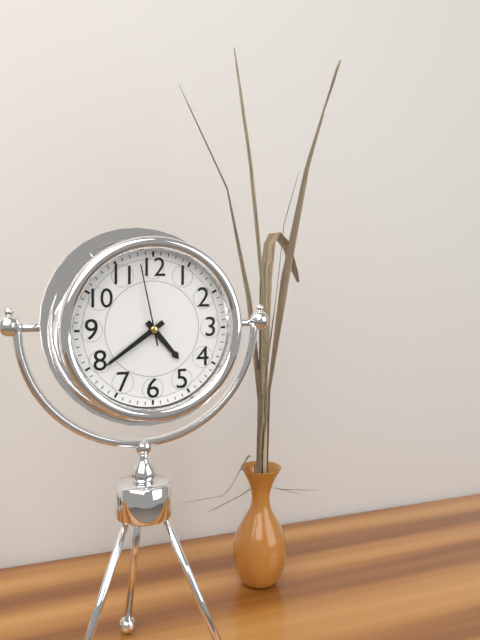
4:39:58
